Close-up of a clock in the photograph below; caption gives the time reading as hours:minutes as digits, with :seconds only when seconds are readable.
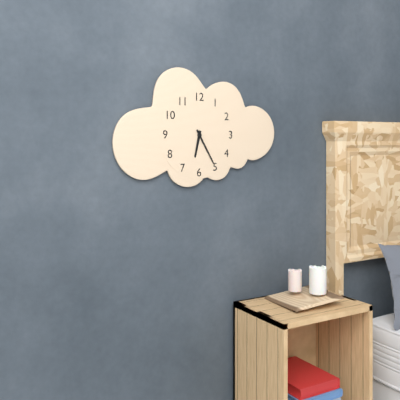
6:25
